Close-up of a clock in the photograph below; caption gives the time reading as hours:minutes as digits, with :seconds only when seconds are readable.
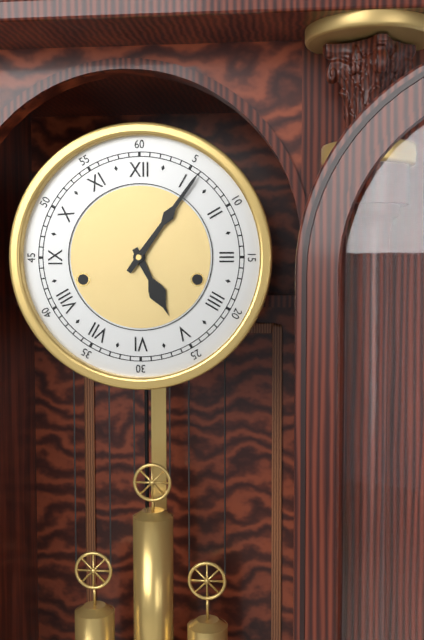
5:06
